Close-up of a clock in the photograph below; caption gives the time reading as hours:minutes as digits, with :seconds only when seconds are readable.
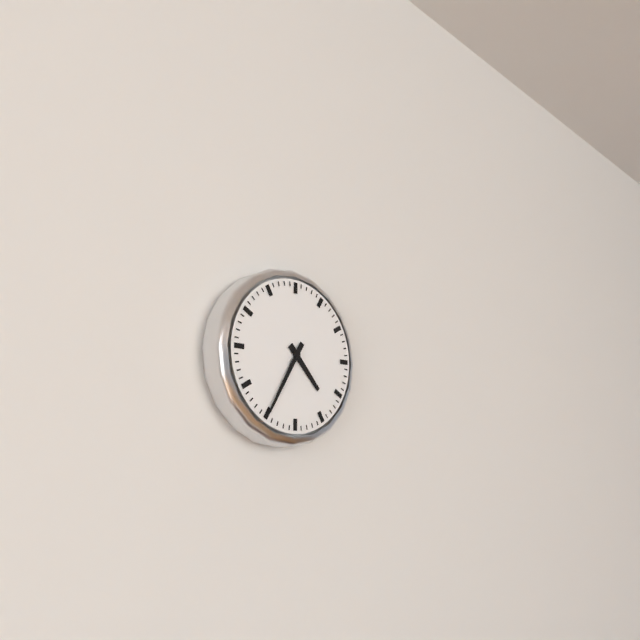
4:35
